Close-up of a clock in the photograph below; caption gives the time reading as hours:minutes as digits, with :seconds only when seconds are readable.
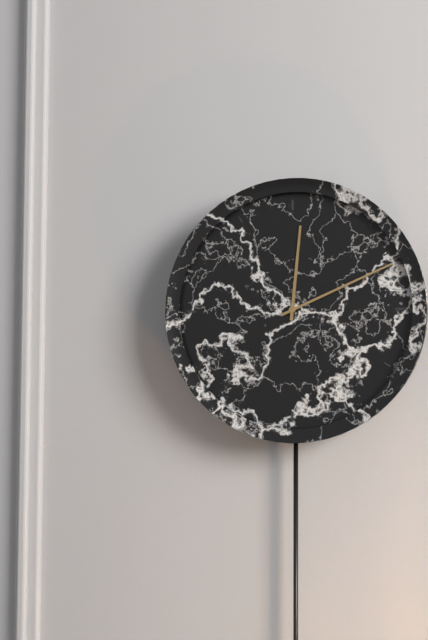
12:11
